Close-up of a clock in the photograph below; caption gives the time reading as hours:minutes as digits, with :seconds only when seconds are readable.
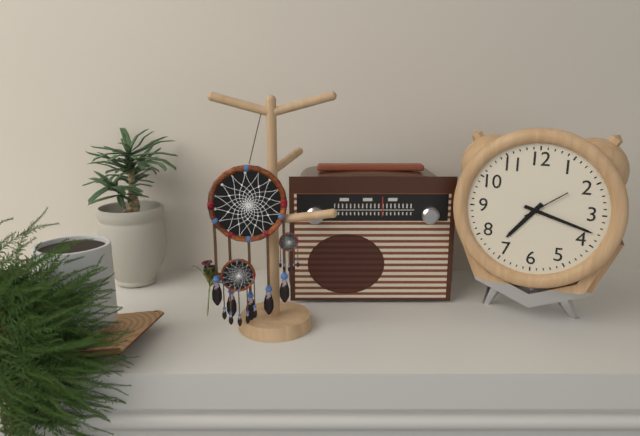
7:18
